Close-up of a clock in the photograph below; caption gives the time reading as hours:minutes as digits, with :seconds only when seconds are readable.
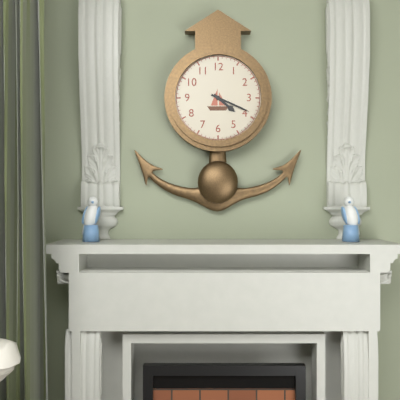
4:19
